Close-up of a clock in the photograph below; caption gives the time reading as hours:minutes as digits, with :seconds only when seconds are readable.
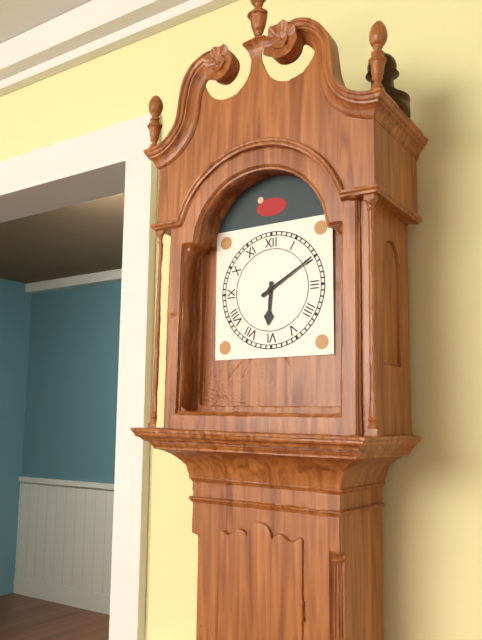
6:10
